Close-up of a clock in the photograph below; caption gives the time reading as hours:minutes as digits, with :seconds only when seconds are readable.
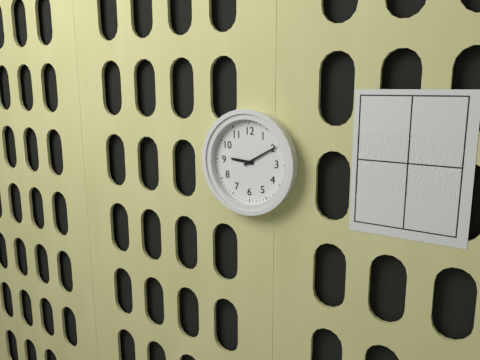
9:10
